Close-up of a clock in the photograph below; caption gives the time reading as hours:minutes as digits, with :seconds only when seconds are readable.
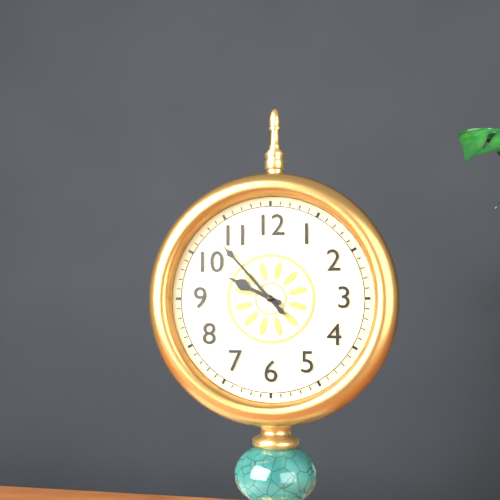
9:53
